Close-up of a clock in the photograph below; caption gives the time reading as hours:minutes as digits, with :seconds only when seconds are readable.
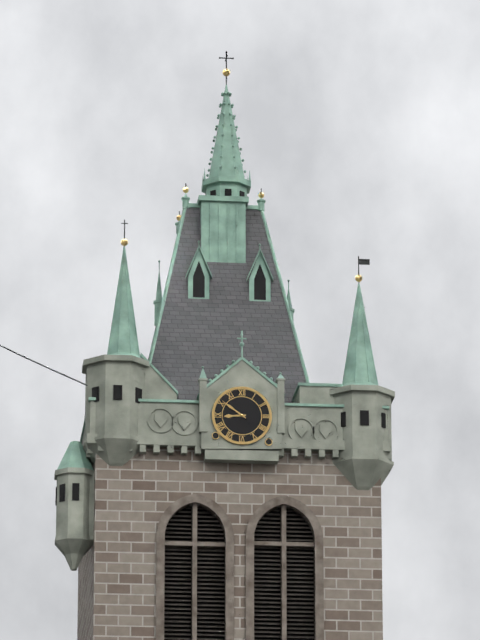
8:51
